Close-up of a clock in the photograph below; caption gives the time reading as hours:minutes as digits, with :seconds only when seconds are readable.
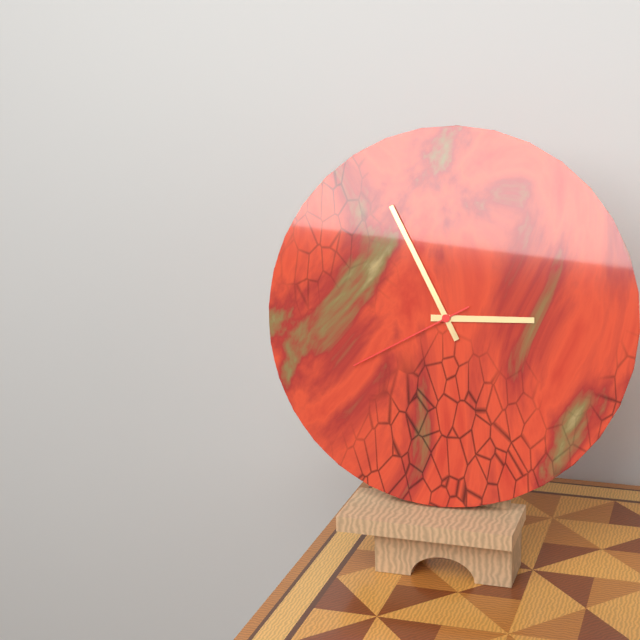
2:55:40
